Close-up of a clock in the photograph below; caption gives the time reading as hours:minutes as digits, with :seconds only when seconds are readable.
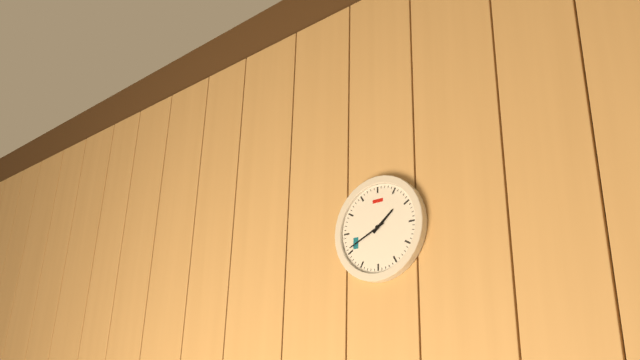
1:41
